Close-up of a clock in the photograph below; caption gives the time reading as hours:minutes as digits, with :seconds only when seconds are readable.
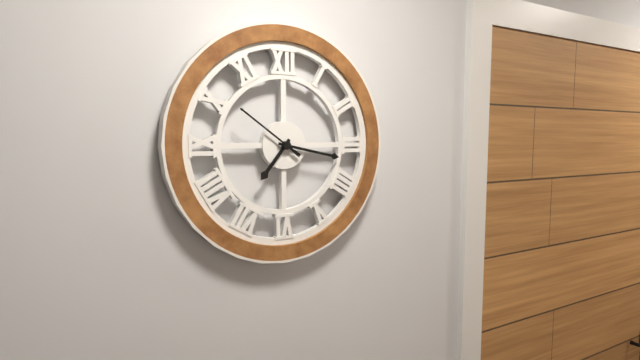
7:17:51
